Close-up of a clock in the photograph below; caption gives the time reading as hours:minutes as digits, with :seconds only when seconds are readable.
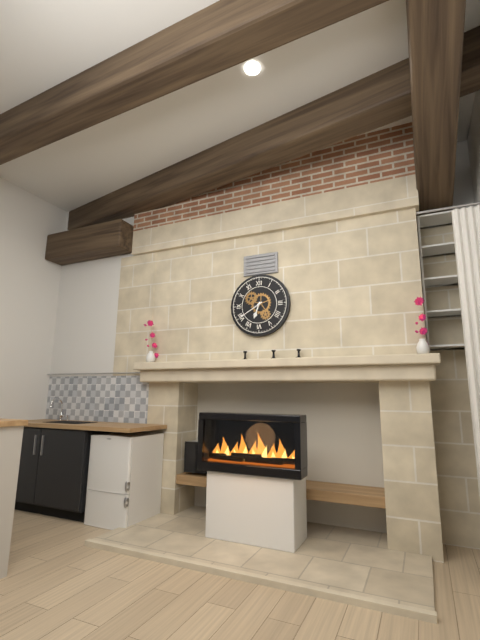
6:40
